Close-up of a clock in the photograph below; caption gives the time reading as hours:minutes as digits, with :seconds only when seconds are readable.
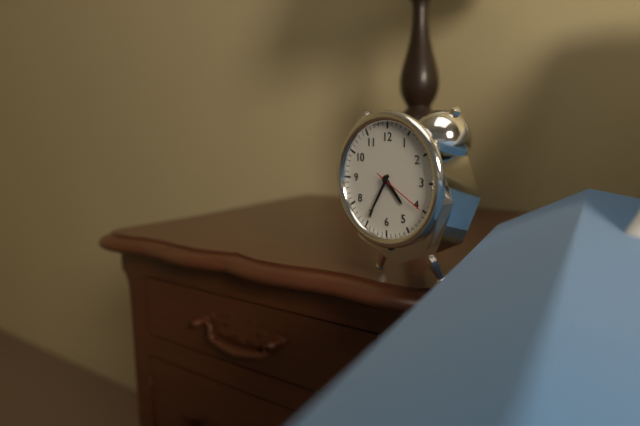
4:35:20
